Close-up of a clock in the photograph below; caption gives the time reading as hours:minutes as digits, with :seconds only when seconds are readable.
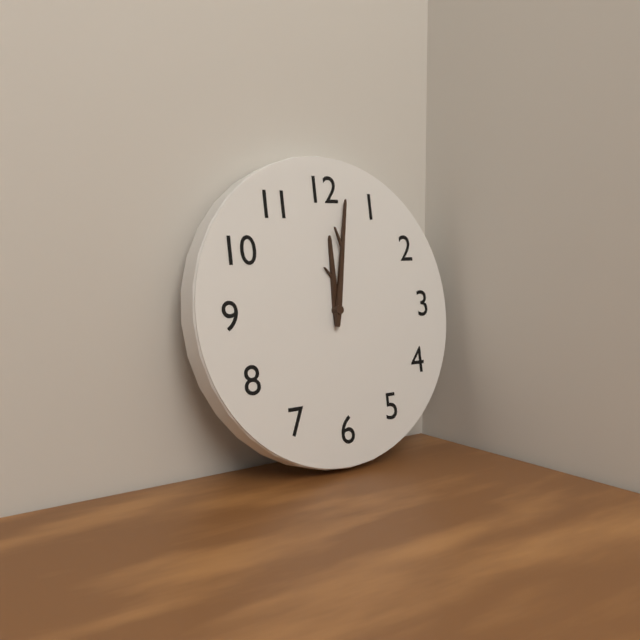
12:02
